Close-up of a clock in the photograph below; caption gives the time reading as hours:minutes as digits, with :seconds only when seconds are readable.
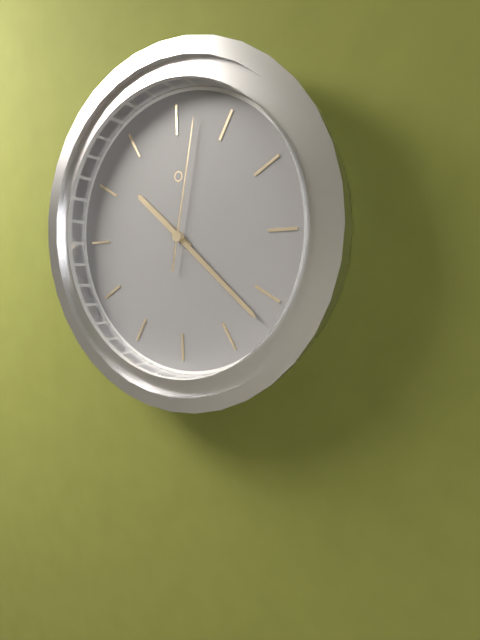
10:22:02
